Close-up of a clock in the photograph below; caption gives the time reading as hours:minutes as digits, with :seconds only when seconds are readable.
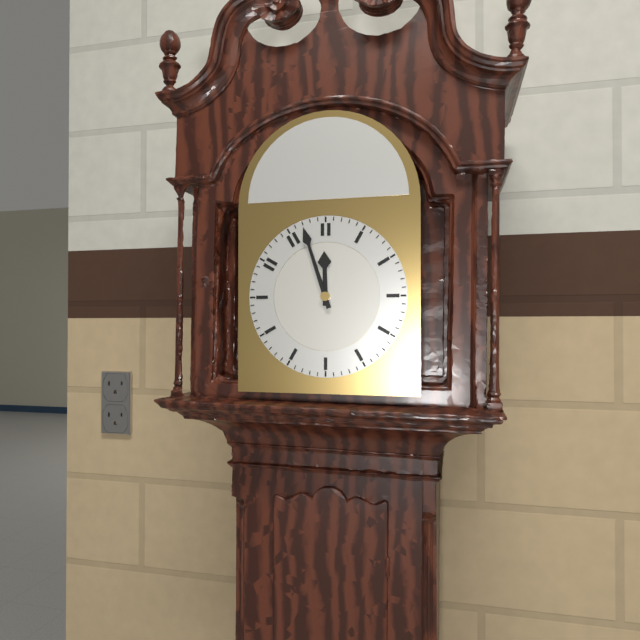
11:57
